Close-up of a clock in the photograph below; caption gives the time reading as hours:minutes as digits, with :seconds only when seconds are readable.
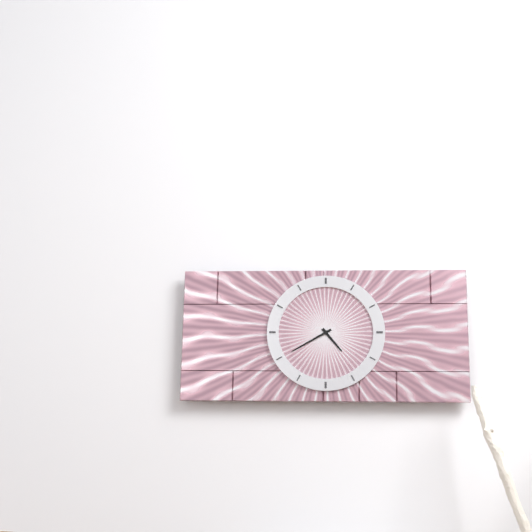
4:40
